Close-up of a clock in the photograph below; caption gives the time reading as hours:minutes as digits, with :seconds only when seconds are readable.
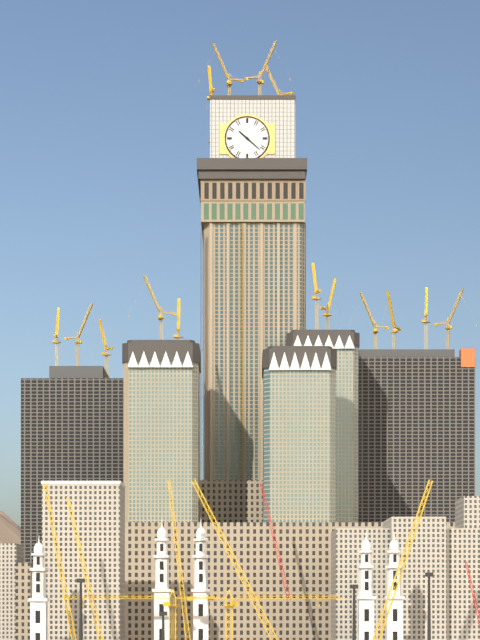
10:22
